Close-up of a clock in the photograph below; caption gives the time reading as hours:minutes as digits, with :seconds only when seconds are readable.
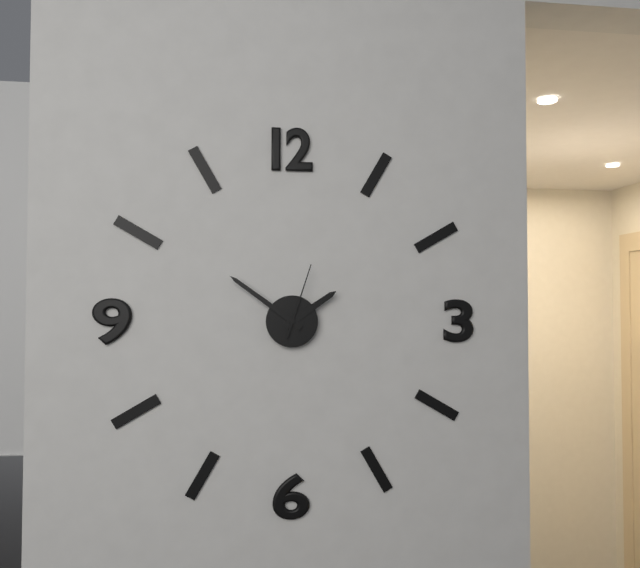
1:51:03
